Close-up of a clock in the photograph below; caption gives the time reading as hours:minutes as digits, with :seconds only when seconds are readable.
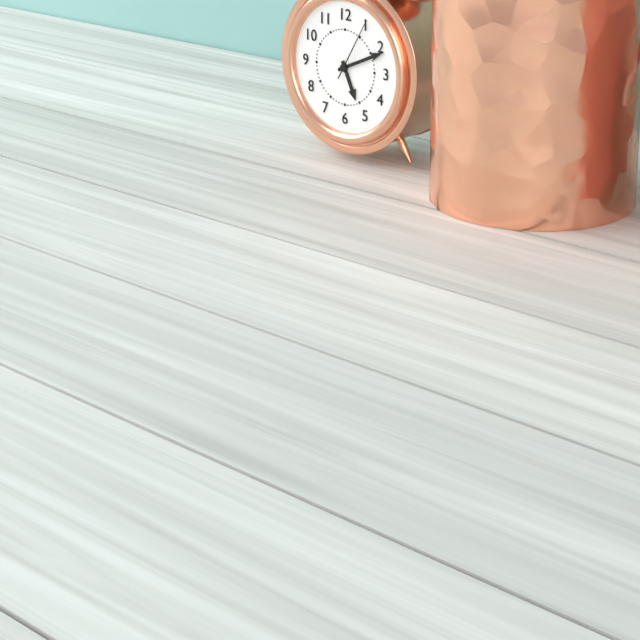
5:11:05
